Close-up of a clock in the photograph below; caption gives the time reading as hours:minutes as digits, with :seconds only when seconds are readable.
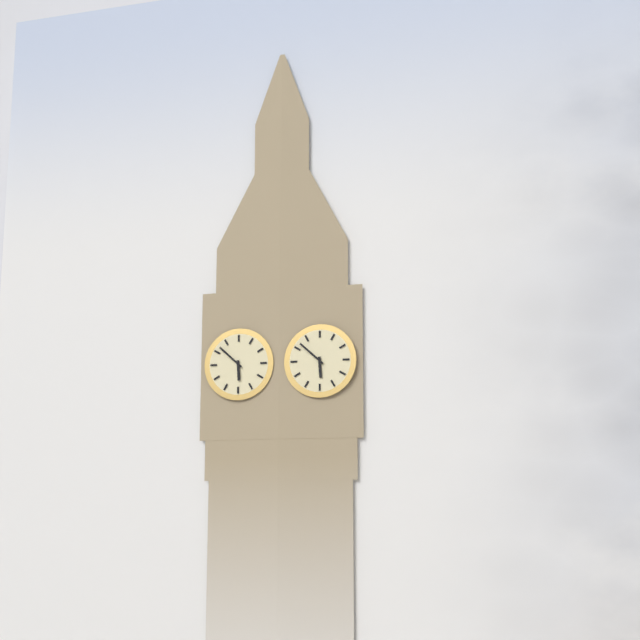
5:52
